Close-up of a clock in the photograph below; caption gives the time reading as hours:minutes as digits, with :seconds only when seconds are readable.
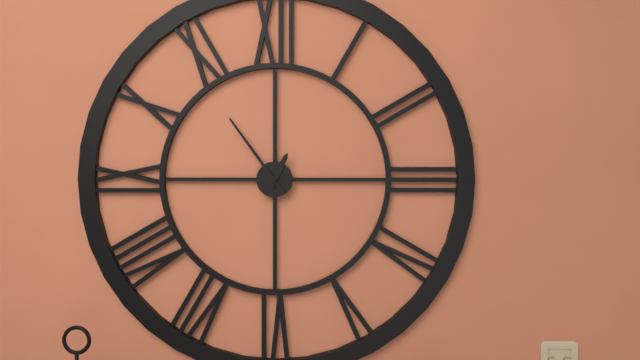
12:54
